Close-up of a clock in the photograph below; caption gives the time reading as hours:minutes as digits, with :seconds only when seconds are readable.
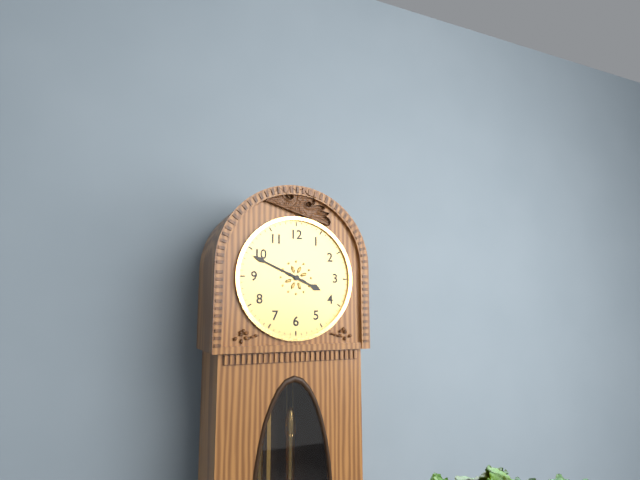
3:49
